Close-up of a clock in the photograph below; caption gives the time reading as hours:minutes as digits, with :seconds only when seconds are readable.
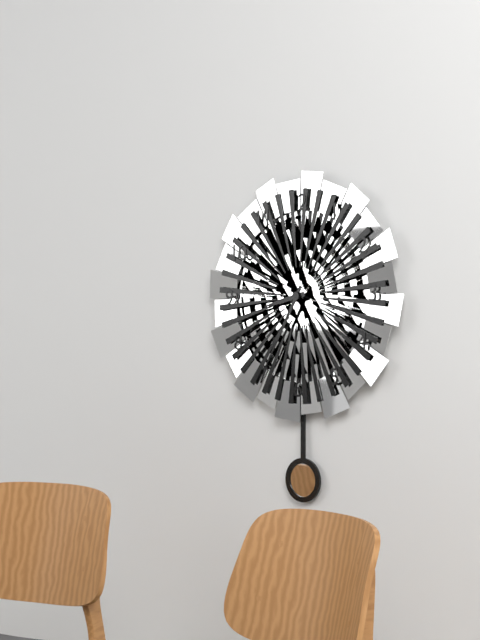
8:35
